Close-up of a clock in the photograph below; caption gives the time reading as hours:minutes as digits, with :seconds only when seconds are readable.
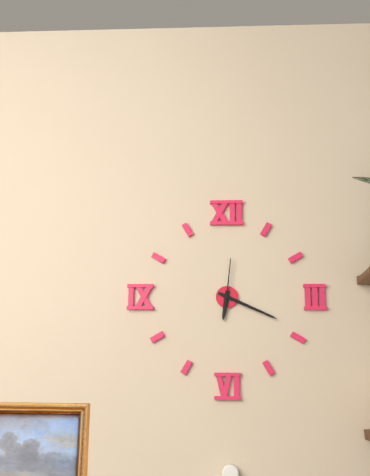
6:19:01
